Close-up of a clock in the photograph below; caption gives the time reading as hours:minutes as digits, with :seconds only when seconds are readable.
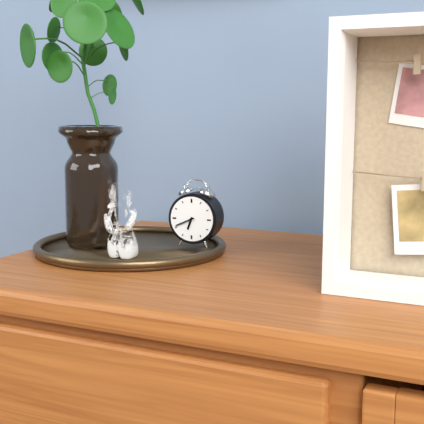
6:41
